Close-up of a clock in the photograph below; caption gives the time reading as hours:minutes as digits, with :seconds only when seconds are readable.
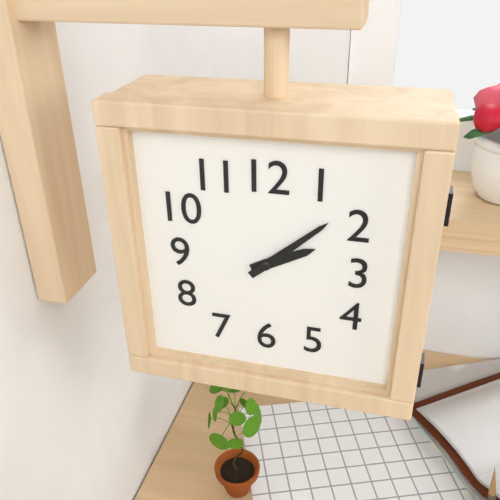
2:08
